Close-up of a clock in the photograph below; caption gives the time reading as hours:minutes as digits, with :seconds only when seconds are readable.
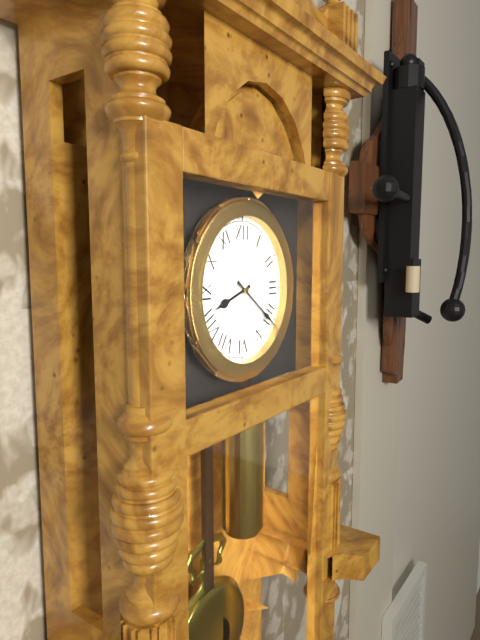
8:21
